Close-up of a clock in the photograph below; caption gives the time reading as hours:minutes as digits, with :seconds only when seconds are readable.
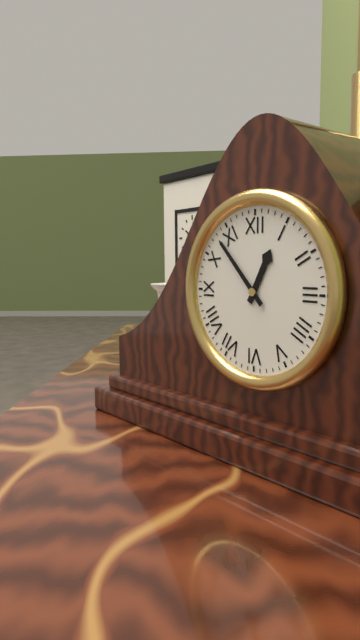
12:53
